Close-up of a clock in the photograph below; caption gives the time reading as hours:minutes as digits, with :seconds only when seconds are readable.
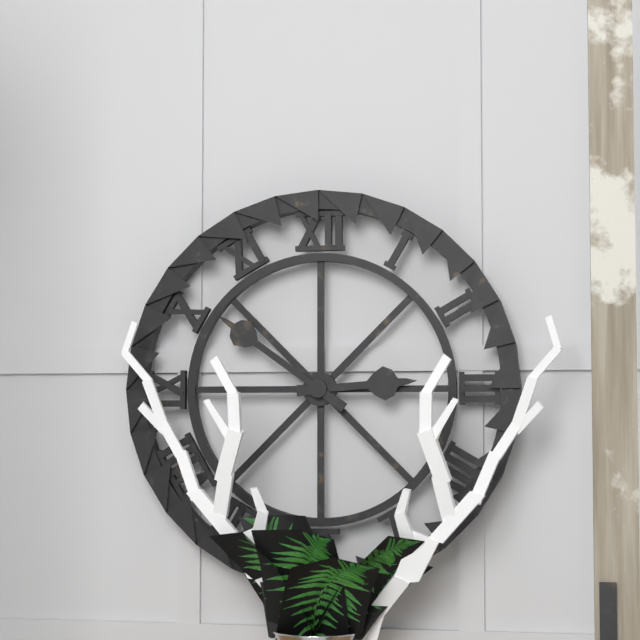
2:51
